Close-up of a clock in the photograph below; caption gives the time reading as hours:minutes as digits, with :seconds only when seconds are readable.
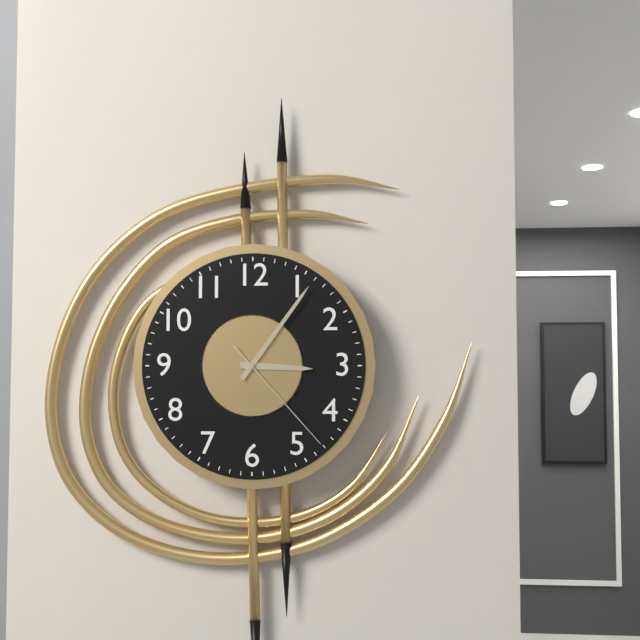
3:06:23
